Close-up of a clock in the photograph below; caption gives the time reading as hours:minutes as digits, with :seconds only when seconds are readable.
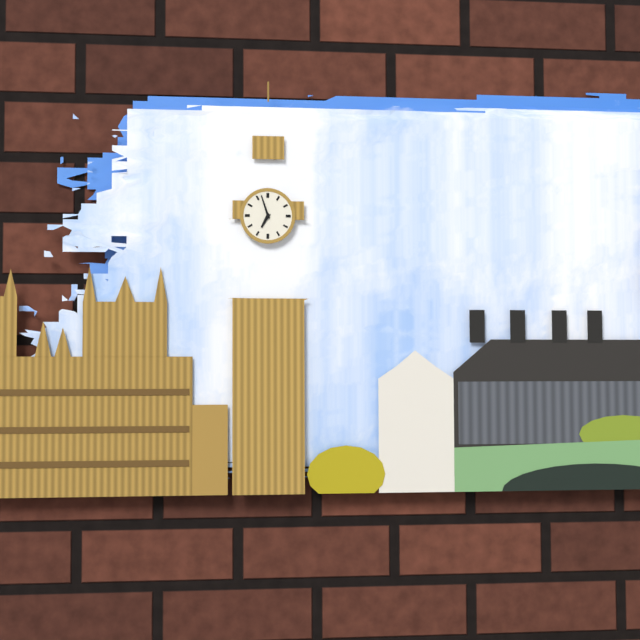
6:57
